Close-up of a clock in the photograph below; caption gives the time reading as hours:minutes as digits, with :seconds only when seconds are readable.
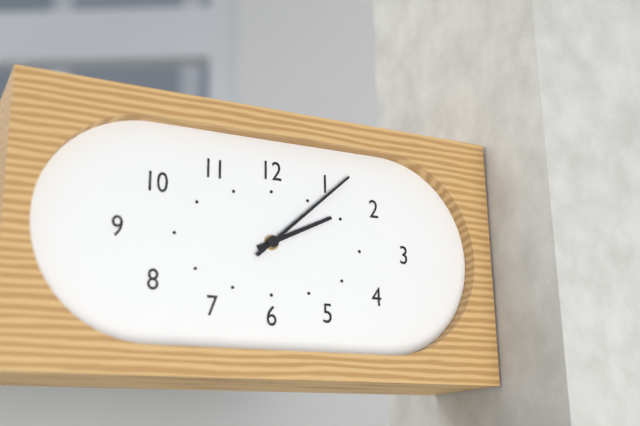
2:08
